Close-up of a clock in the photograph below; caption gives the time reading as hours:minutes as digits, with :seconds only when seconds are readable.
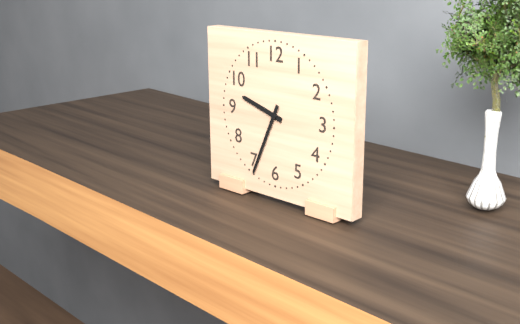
9:34
